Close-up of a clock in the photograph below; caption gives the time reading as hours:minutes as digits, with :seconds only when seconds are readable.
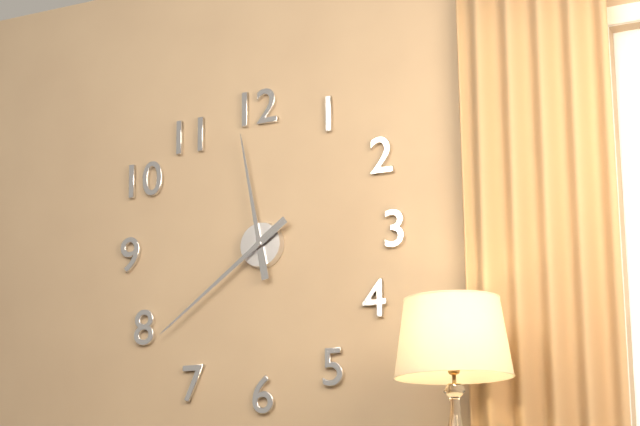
11:39
